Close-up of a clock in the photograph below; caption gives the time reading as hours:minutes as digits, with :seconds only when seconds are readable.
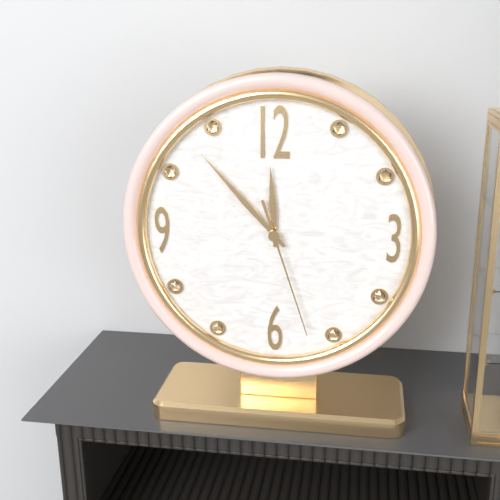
11:53:27
